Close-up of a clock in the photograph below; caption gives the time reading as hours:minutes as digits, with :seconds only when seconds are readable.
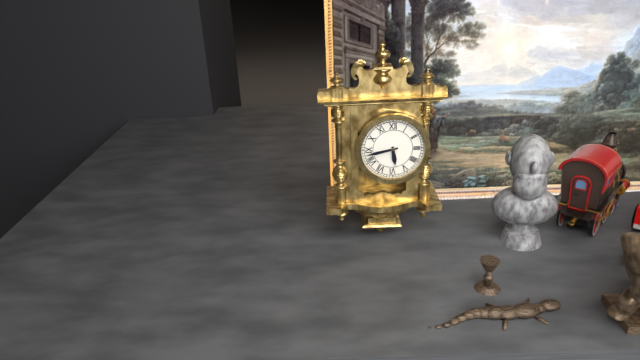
5:43
